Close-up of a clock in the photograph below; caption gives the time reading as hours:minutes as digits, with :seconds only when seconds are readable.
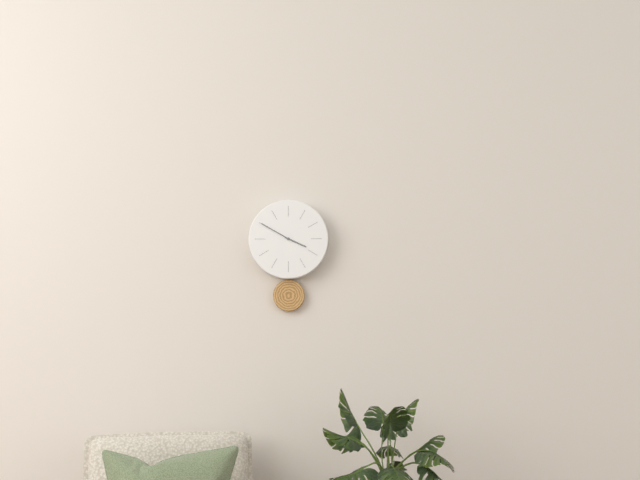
3:50
